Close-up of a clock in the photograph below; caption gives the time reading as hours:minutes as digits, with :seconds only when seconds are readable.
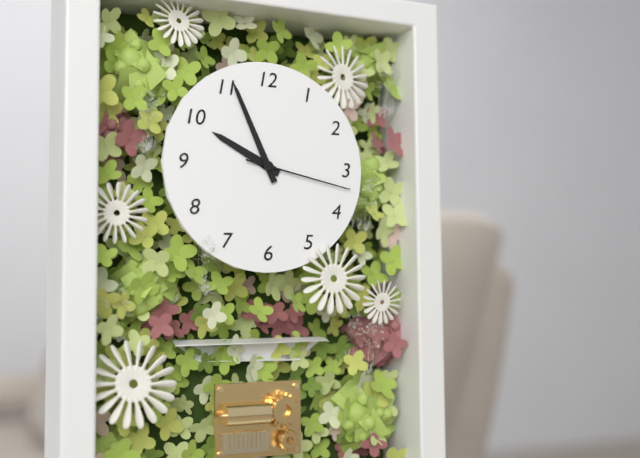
9:56:17
